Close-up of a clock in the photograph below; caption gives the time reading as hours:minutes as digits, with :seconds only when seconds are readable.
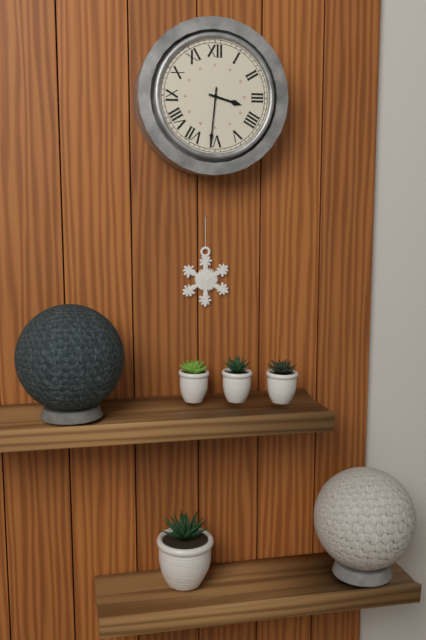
3:31
